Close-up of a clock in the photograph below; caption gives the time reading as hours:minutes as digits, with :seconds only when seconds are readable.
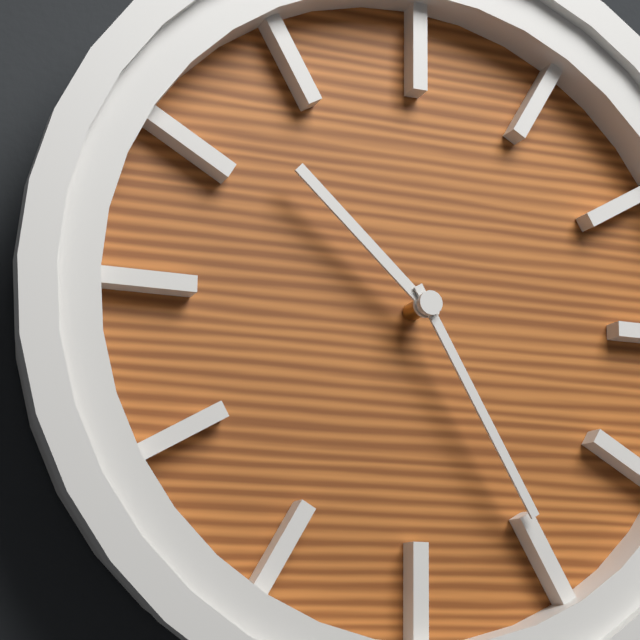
10:25
